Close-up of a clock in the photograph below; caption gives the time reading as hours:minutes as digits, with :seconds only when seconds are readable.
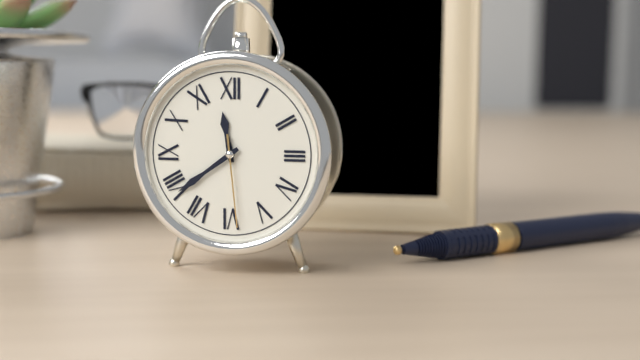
11:39:29
